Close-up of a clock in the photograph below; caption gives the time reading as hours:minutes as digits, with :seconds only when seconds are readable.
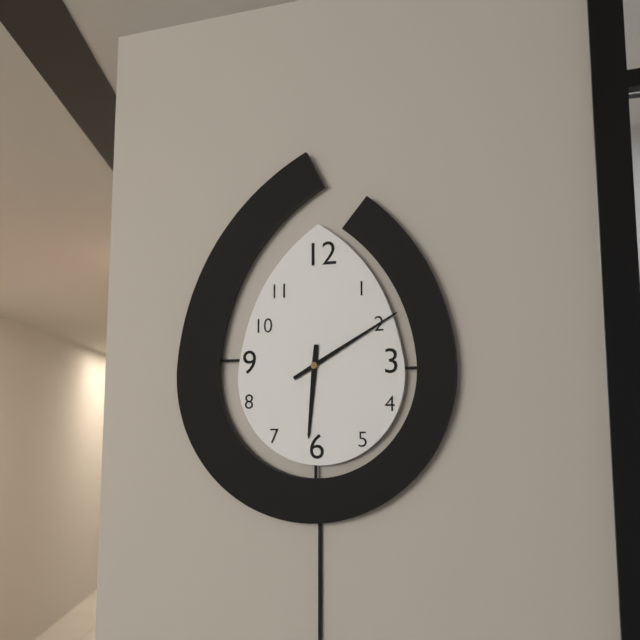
6:10
